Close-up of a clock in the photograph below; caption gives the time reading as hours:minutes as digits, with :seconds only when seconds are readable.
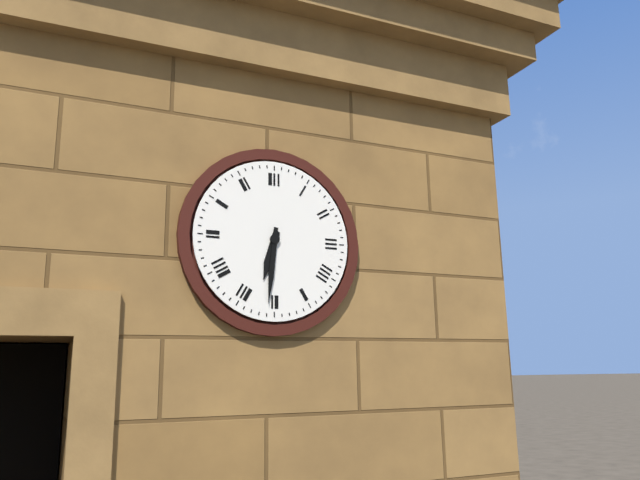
6:31
